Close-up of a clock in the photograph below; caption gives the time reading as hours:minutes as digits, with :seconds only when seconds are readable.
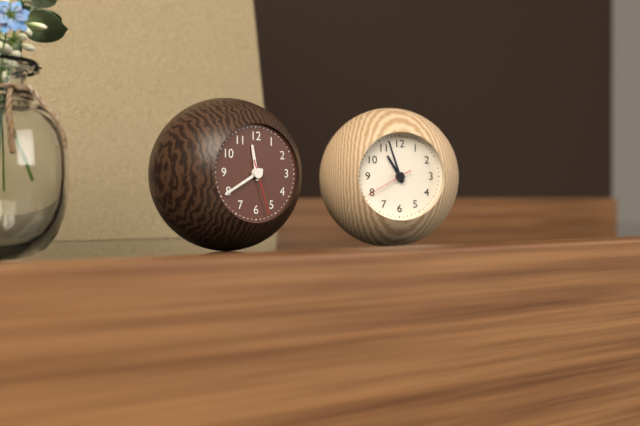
11:40:27
